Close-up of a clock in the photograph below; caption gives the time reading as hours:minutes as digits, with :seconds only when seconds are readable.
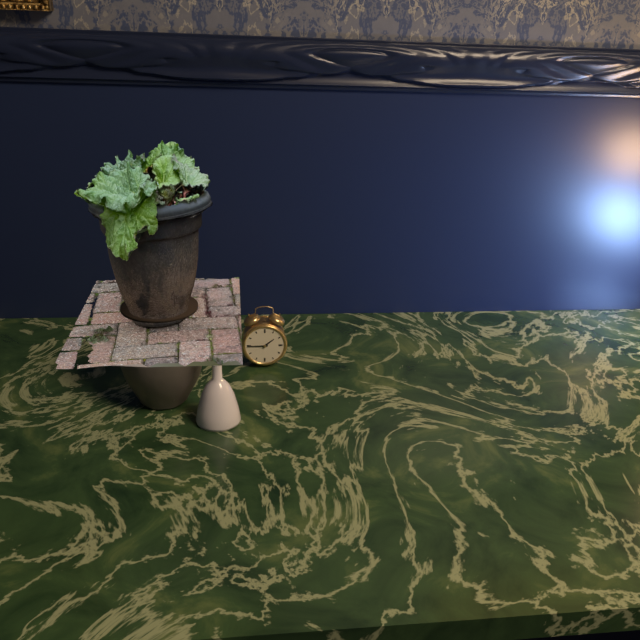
1:45
